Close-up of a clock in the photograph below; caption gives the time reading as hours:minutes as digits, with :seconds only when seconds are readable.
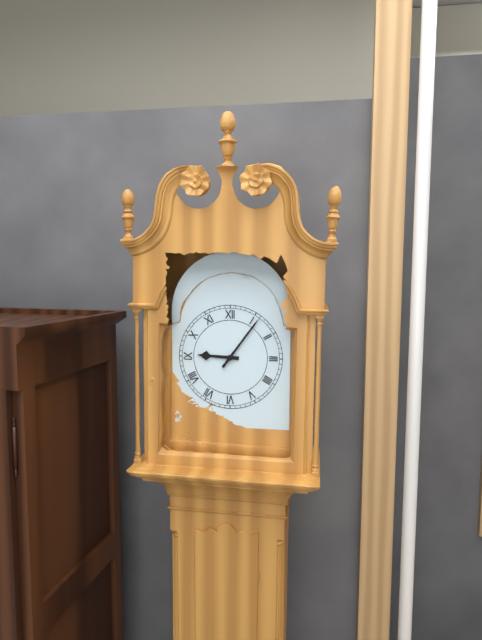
9:06
